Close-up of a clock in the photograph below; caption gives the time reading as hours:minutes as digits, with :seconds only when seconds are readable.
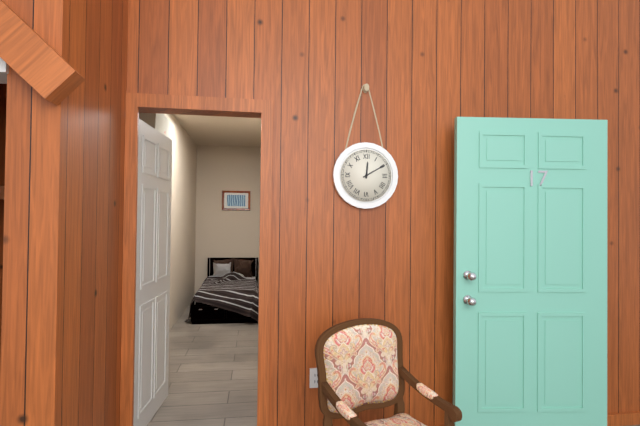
12:10
